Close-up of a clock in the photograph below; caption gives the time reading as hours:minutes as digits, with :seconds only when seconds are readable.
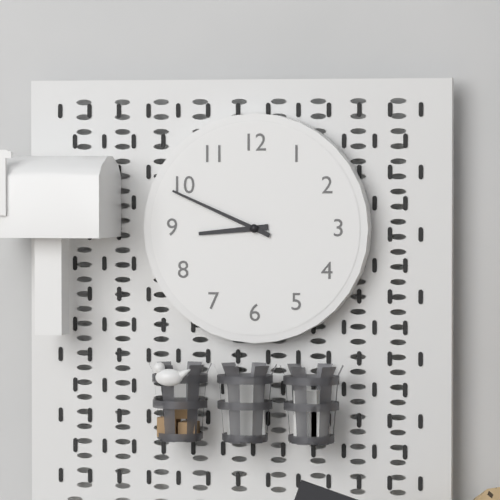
8:49
